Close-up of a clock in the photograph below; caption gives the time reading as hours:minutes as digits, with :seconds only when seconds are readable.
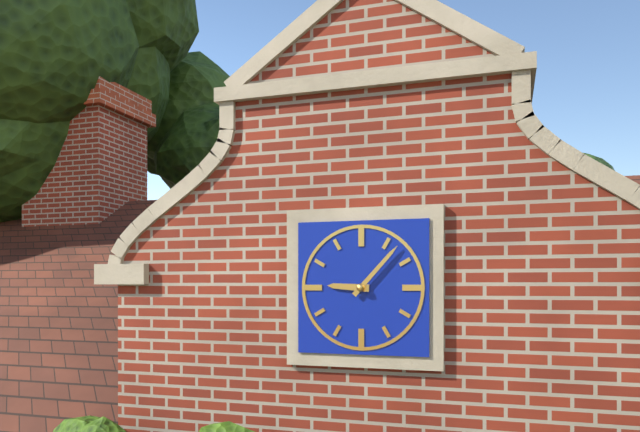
9:07
